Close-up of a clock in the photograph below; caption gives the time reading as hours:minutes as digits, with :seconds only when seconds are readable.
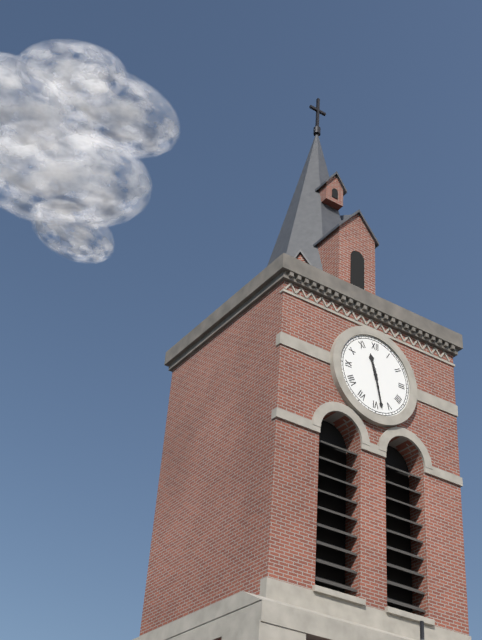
11:28
